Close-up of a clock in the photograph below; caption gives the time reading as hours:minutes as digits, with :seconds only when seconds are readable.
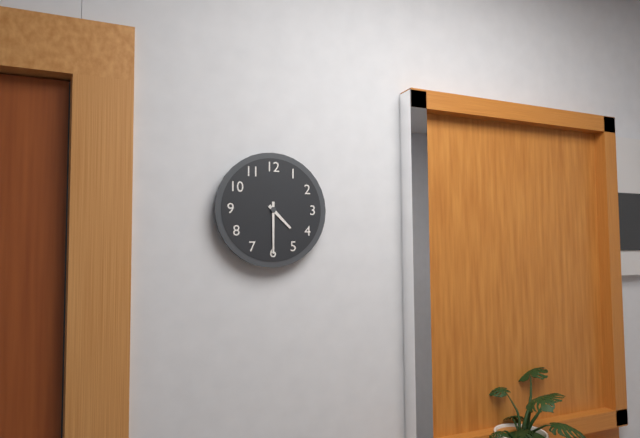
4:30
